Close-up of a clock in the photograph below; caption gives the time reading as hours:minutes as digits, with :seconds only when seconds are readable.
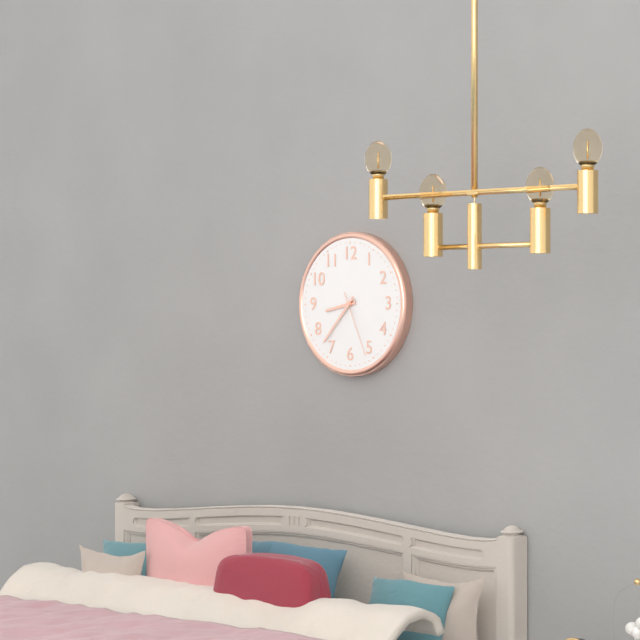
8:37:26
